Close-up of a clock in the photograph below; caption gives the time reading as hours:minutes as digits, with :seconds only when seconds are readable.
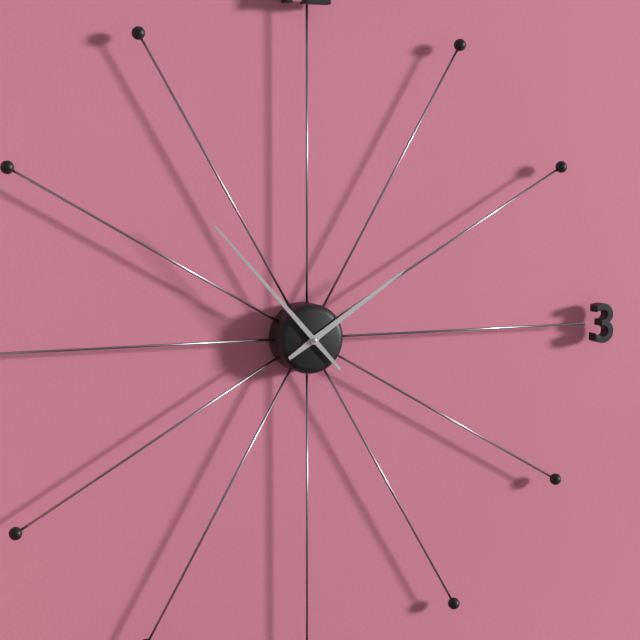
1:53
